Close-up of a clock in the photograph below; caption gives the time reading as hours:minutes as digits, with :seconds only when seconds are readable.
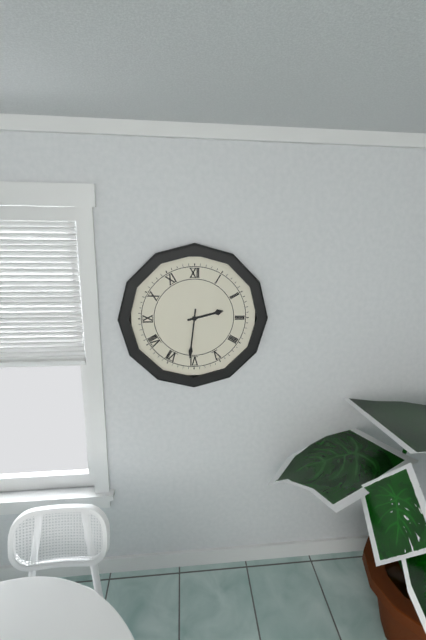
2:31
